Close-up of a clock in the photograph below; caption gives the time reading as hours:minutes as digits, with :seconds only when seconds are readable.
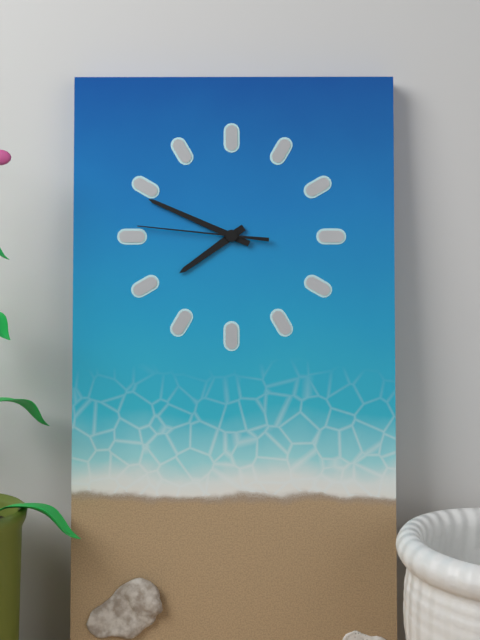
7:49:46
